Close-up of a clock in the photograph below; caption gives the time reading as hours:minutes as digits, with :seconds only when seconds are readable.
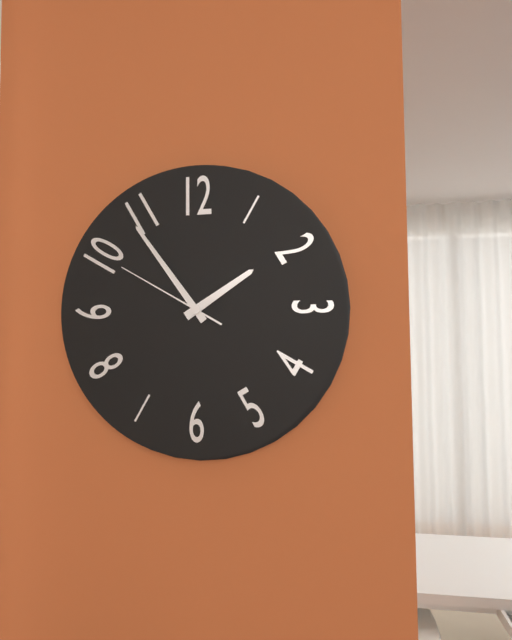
1:54:50
